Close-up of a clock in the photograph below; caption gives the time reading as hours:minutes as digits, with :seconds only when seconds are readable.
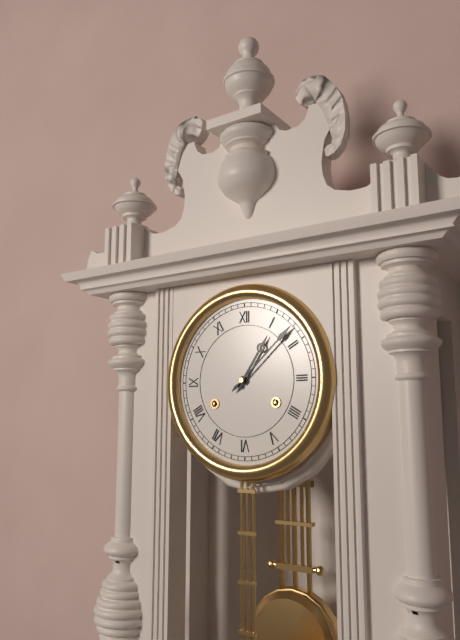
1:08
